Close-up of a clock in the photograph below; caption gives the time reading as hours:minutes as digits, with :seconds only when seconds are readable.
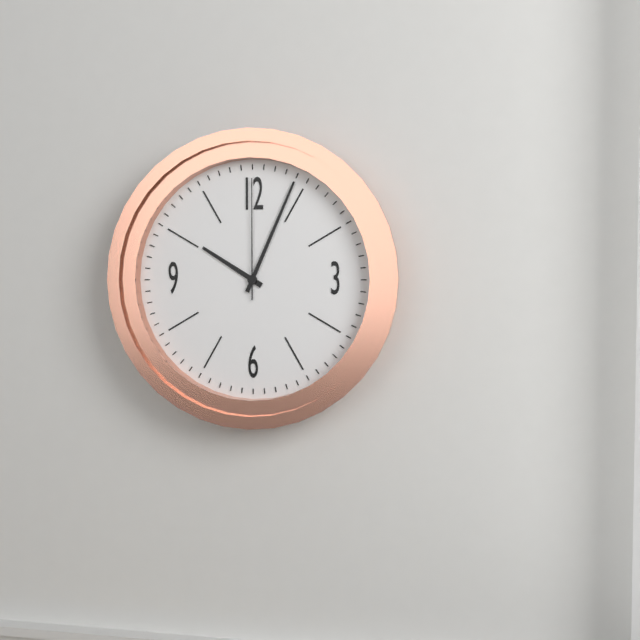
10:04:00
